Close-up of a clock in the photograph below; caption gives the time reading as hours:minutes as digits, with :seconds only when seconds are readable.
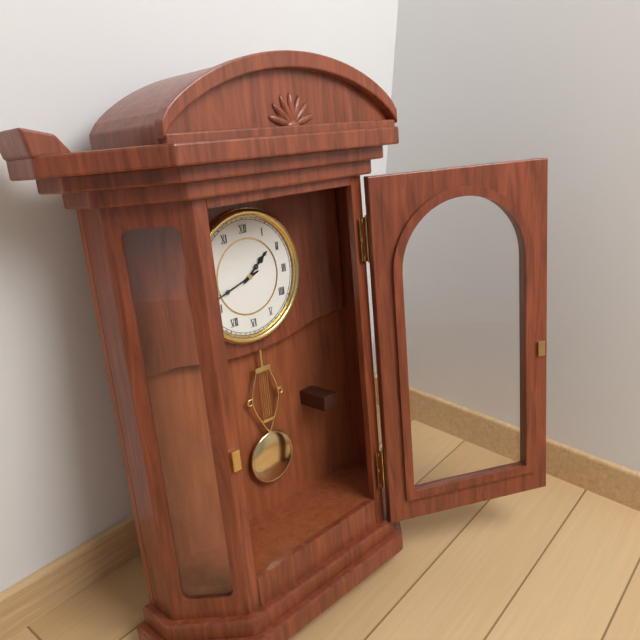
1:42
